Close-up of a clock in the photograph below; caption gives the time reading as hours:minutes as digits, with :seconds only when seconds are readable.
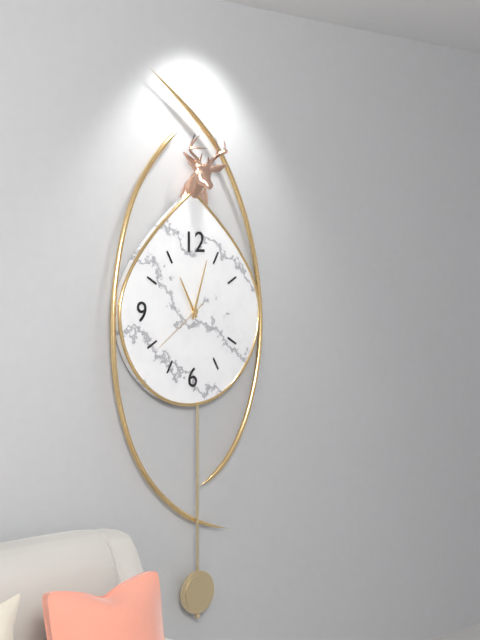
11:03:39
